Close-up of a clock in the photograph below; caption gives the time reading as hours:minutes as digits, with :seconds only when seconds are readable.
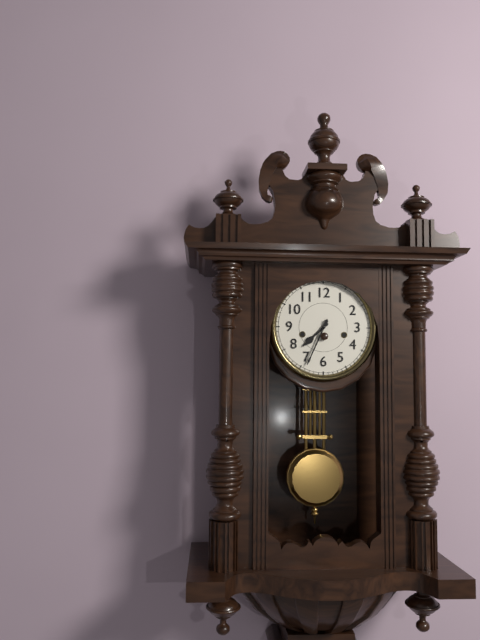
7:34
